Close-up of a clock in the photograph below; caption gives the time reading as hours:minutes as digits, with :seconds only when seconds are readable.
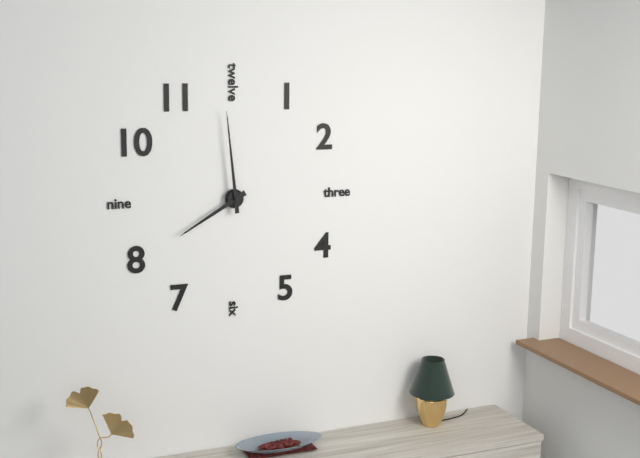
7:59
